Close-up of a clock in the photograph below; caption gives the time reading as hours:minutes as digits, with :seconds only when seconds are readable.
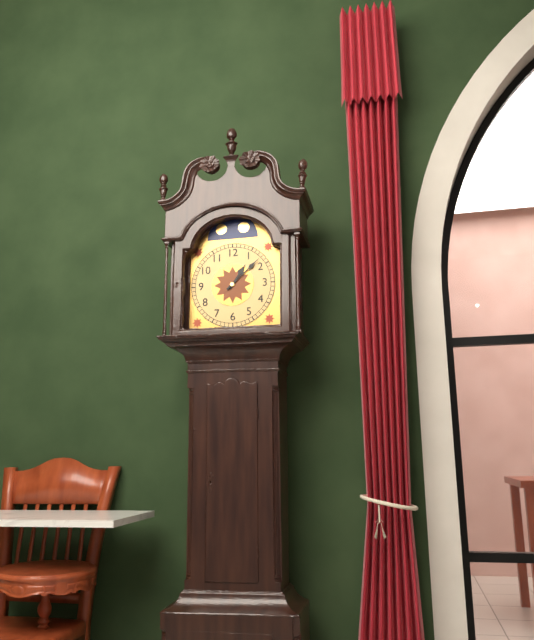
1:08
